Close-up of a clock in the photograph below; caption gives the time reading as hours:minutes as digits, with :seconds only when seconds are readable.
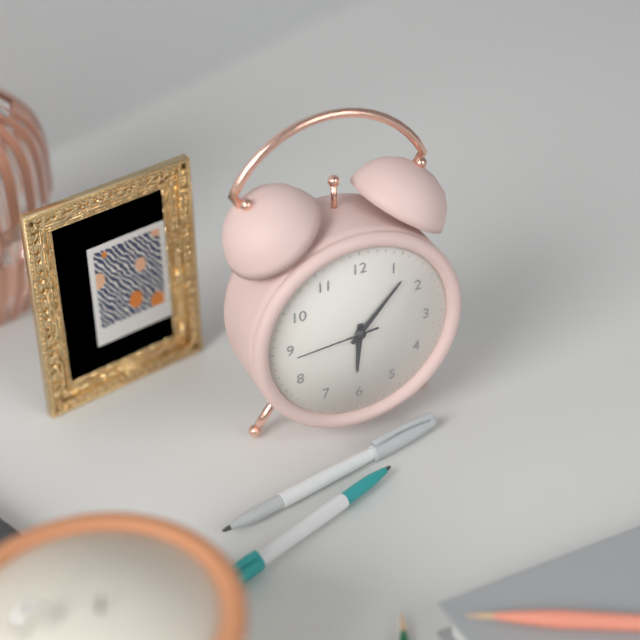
6:07:44
